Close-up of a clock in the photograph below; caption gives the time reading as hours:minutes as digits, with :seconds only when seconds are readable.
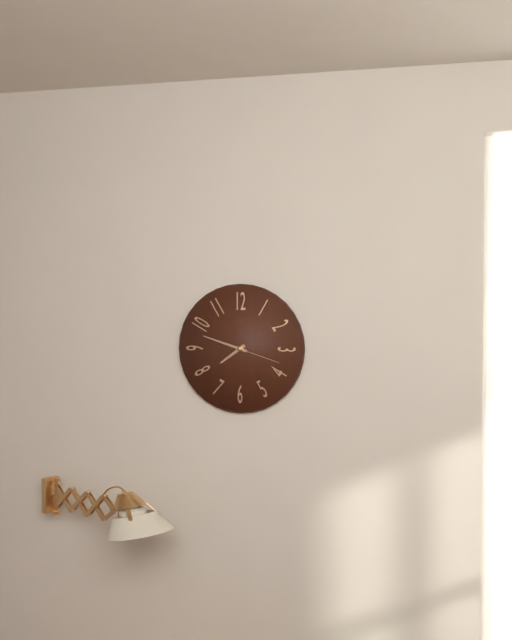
7:48:18
